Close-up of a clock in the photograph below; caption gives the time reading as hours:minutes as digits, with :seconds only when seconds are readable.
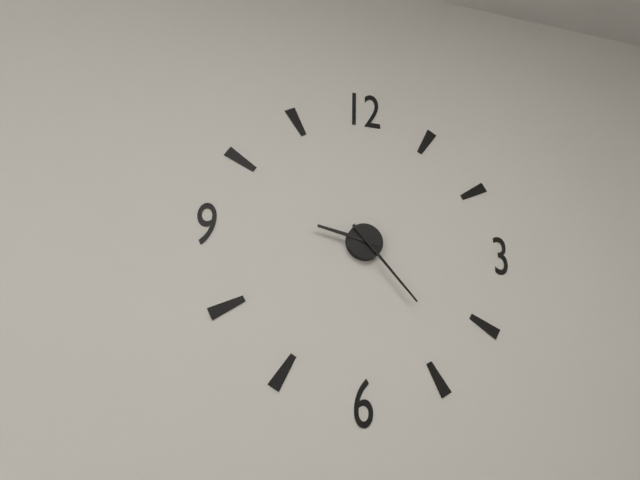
9:23
